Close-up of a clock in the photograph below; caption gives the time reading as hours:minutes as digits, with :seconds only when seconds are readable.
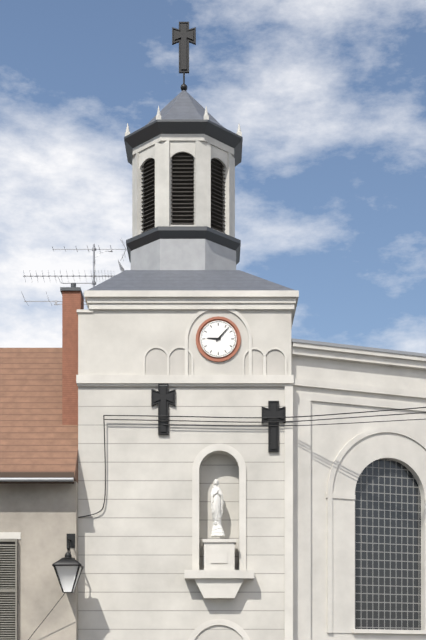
9:07
